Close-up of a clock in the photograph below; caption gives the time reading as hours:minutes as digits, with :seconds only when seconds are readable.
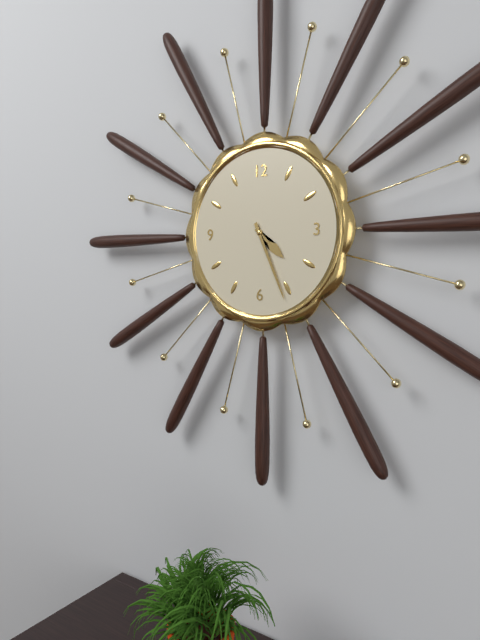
4:26
